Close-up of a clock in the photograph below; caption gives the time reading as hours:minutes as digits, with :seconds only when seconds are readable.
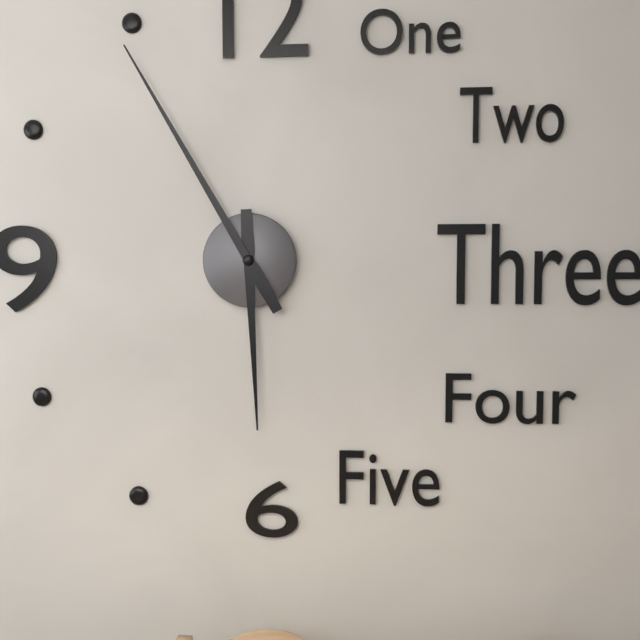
5:55
